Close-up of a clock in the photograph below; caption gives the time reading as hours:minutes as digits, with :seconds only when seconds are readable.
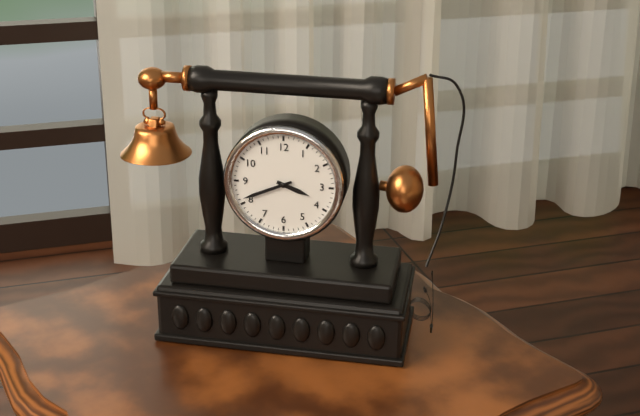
3:41
